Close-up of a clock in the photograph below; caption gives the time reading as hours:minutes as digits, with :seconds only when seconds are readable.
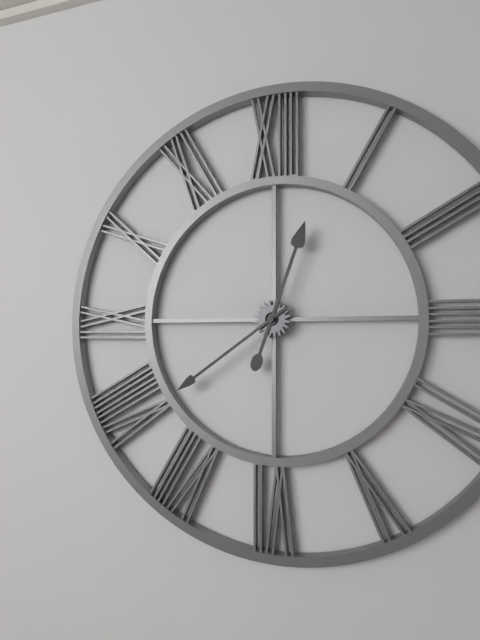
12:39
